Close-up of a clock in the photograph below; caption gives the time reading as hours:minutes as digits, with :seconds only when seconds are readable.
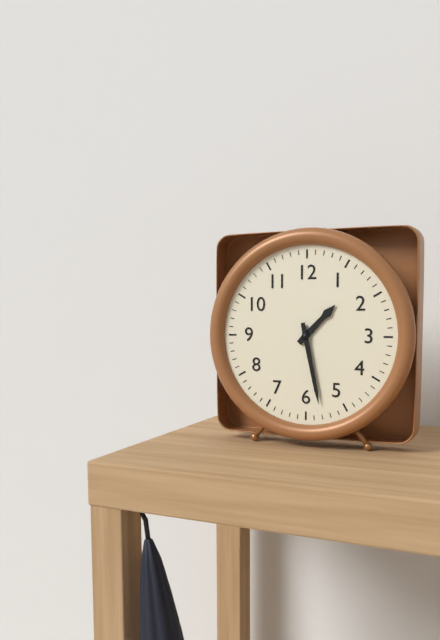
1:28
